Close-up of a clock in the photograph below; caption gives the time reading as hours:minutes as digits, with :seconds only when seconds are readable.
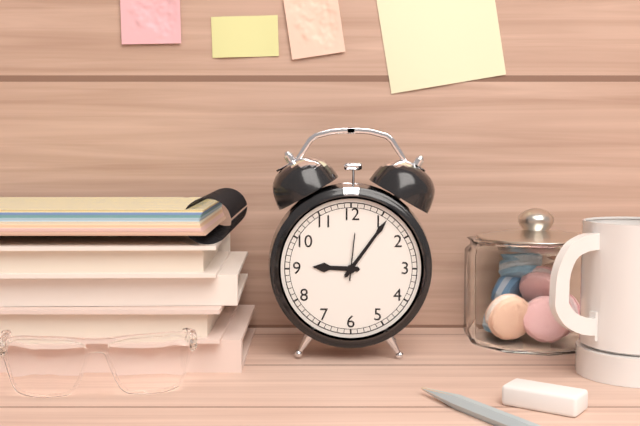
9:06
